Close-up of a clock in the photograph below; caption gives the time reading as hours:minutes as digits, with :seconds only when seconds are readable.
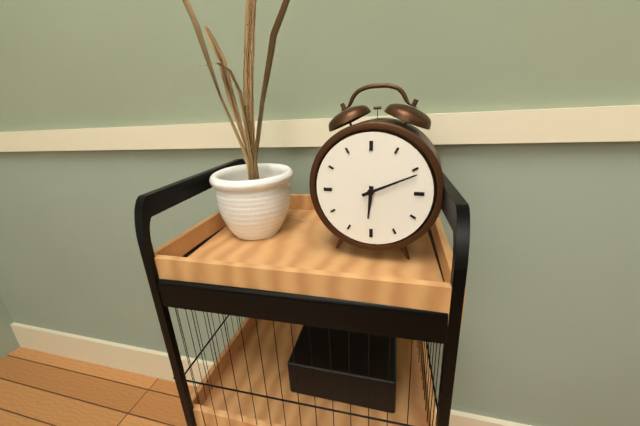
6:11
